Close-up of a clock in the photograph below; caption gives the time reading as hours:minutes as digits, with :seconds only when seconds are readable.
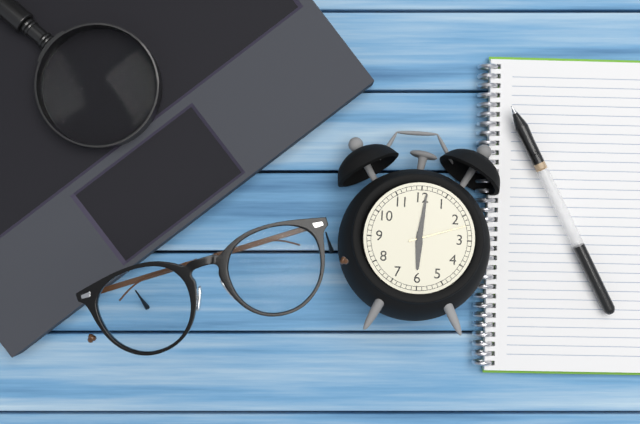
6:01:12
